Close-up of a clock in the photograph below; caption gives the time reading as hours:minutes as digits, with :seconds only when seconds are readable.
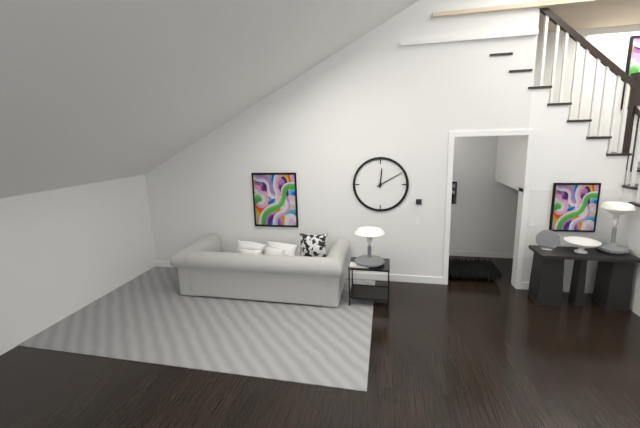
12:10
